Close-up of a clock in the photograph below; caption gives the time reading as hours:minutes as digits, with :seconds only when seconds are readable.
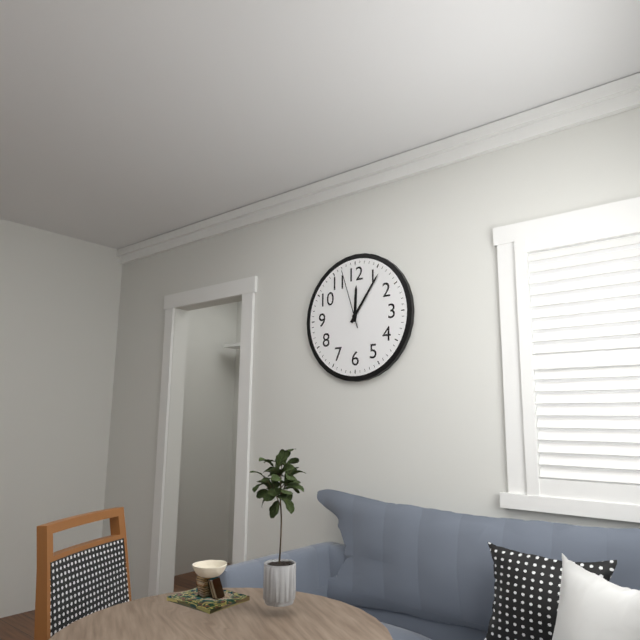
12:06:57
